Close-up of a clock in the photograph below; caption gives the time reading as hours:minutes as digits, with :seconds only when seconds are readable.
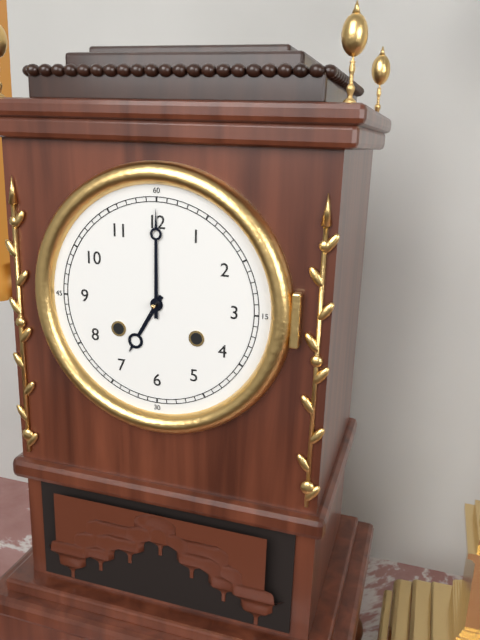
7:00
